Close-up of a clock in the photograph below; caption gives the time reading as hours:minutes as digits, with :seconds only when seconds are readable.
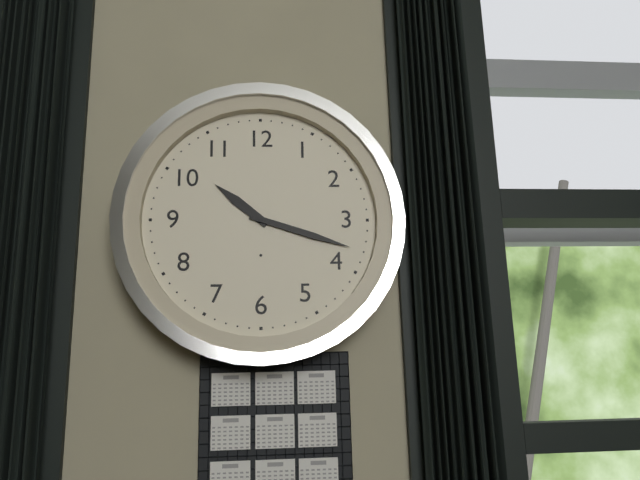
10:18
